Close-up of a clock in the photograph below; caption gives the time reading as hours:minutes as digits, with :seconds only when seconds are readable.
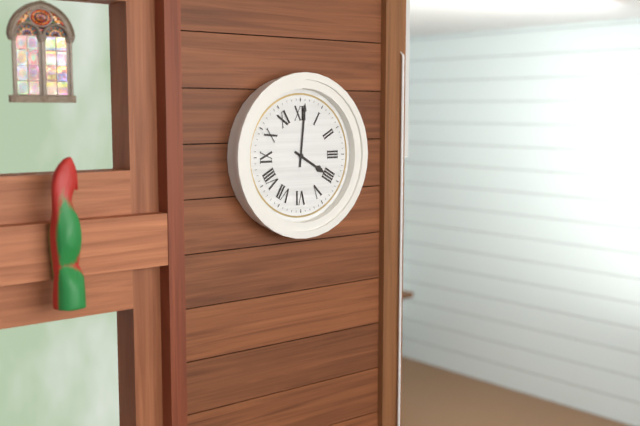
4:01
